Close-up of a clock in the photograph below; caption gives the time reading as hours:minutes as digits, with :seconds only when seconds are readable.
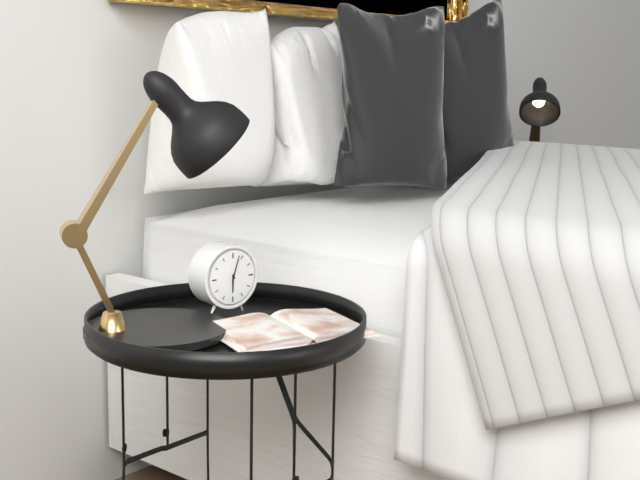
6:03
